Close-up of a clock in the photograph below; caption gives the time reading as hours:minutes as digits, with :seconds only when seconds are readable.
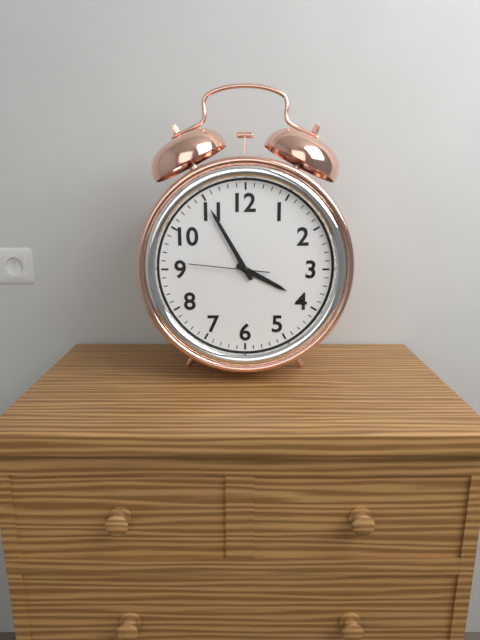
3:55:46
